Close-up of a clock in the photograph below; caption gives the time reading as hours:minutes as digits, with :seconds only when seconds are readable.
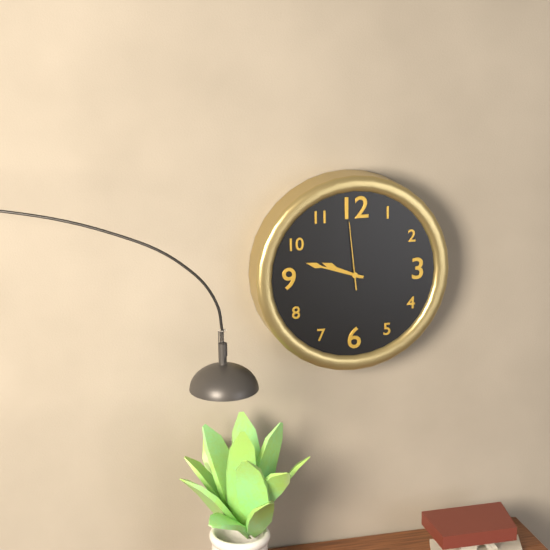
9:48:59
